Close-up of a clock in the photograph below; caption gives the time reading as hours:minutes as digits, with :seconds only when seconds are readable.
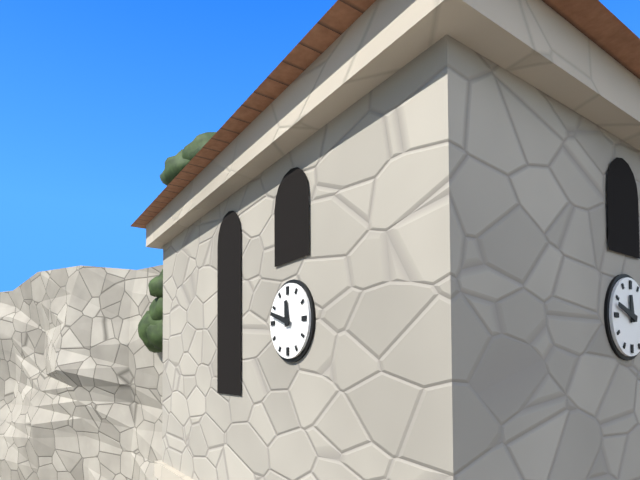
11:48
